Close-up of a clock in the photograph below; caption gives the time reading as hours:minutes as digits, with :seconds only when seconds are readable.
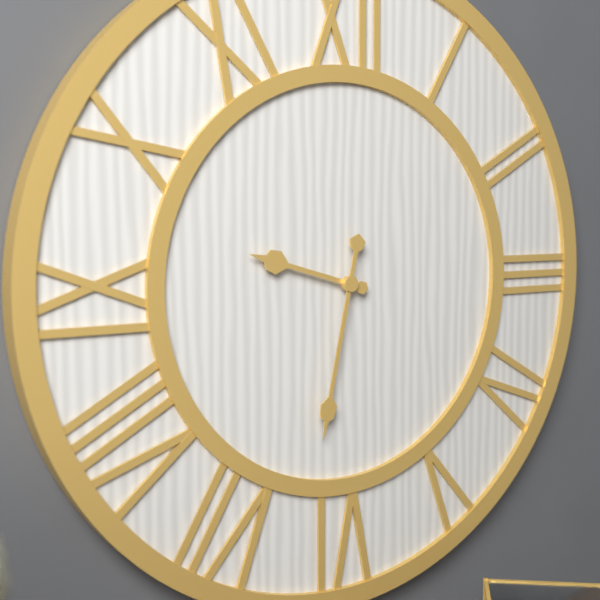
9:32
